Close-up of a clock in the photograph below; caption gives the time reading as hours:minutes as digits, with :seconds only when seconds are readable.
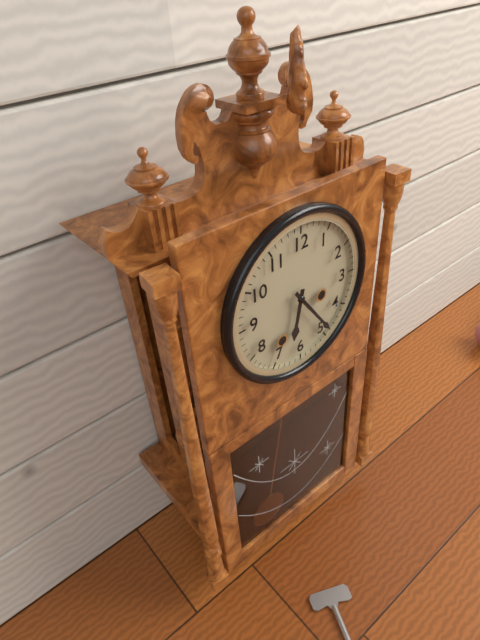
6:24
